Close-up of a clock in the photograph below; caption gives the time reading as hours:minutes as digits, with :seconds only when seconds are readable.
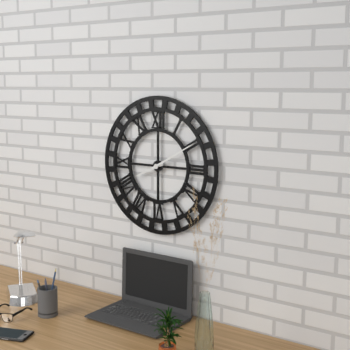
8:10
